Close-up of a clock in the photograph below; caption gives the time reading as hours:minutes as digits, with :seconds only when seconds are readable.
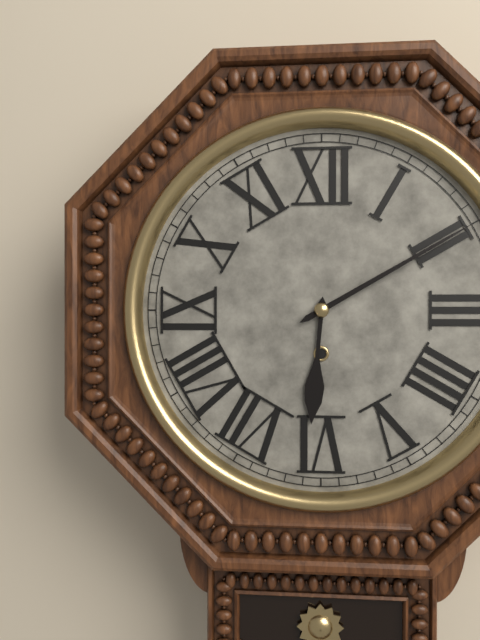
6:10
